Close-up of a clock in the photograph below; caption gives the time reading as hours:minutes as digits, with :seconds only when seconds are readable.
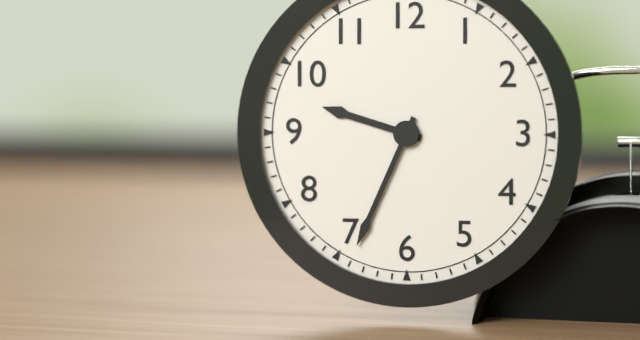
9:34
